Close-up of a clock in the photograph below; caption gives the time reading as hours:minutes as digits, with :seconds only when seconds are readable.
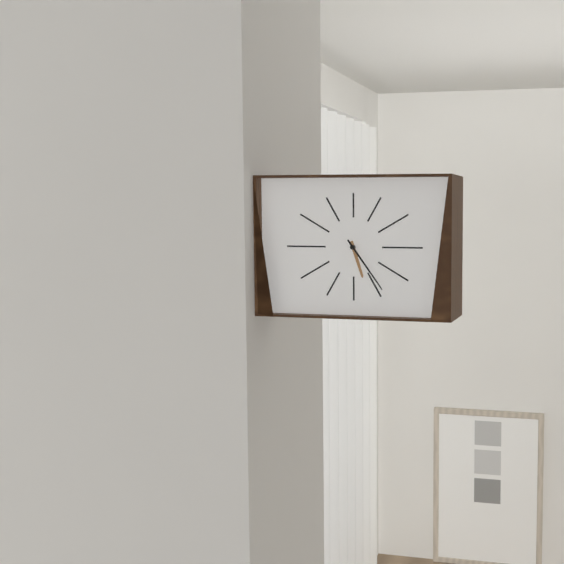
5:24
